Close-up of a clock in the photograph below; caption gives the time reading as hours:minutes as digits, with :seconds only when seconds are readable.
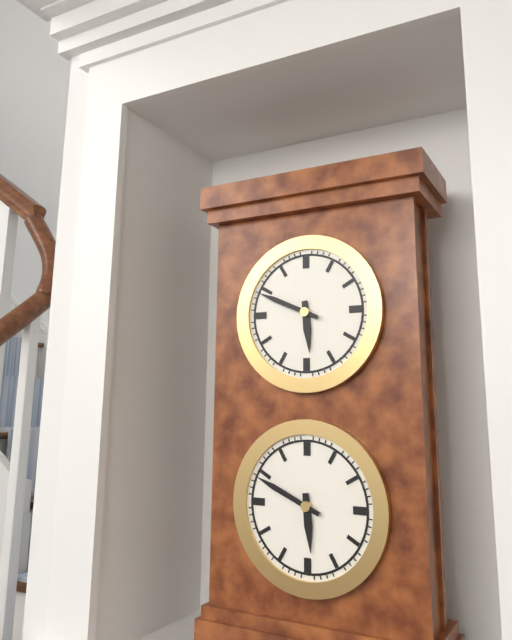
5:49
